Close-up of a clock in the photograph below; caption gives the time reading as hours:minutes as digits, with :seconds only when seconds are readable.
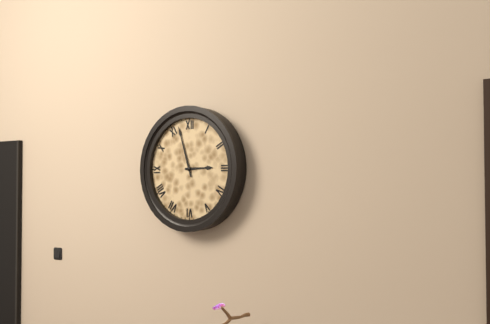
2:57
